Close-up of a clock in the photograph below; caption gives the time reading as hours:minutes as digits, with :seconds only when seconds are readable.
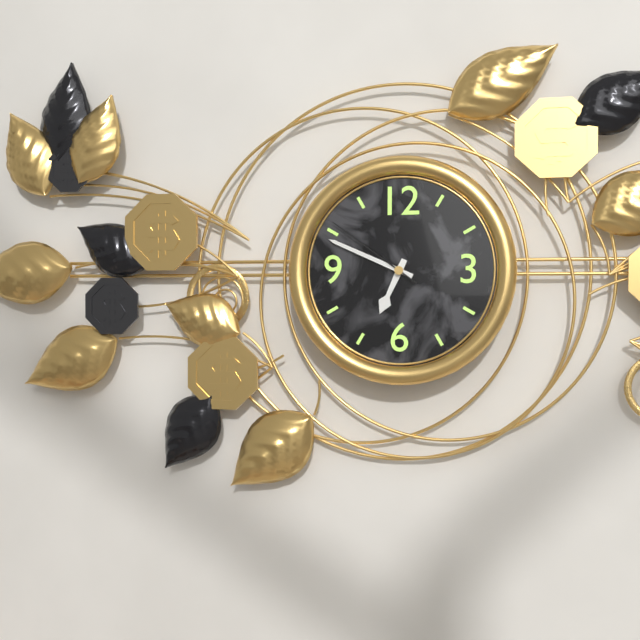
6:49:51
